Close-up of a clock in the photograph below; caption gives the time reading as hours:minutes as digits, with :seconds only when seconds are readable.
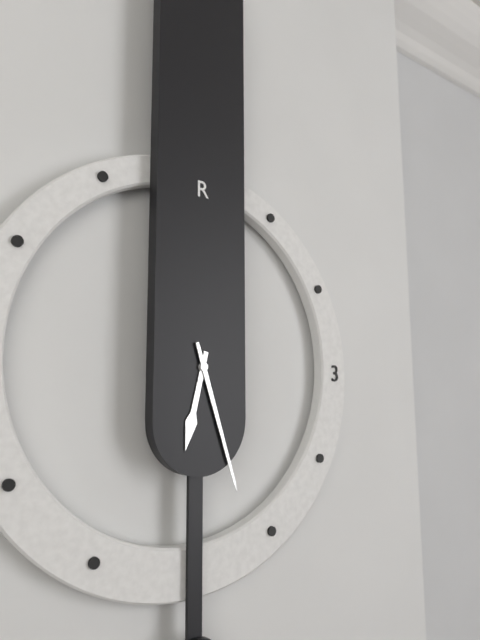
6:27
